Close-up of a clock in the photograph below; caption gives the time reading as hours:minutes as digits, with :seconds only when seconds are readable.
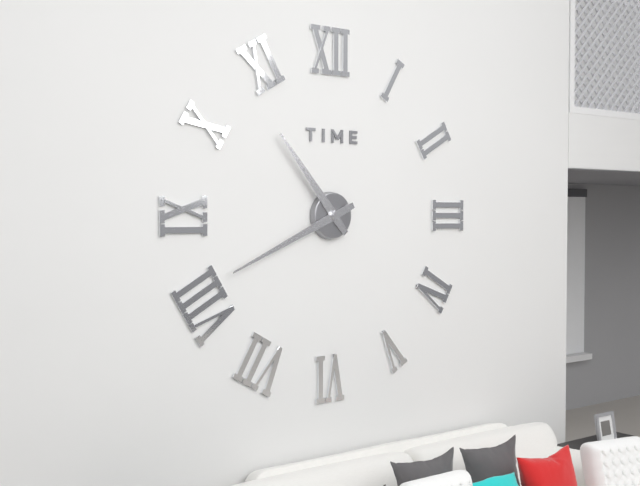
10:41
